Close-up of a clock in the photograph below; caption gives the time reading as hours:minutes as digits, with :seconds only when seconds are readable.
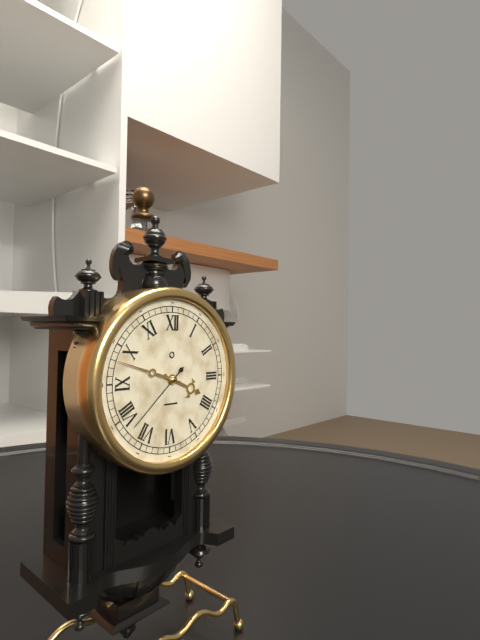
3:48:38
